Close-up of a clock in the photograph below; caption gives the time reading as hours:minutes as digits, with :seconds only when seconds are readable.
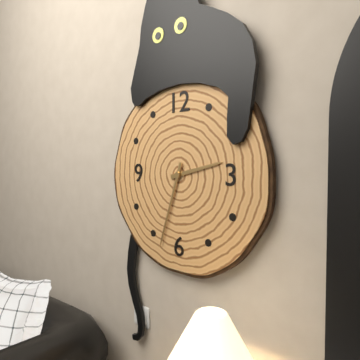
2:33
